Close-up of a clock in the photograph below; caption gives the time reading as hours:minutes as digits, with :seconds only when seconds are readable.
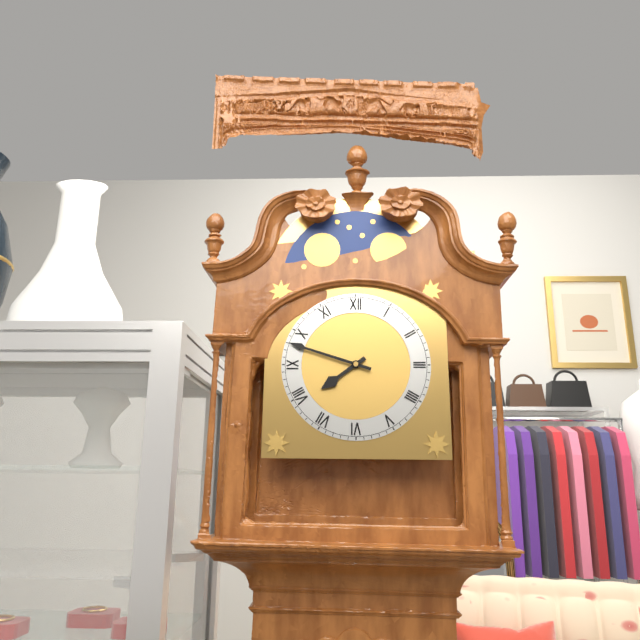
7:48
